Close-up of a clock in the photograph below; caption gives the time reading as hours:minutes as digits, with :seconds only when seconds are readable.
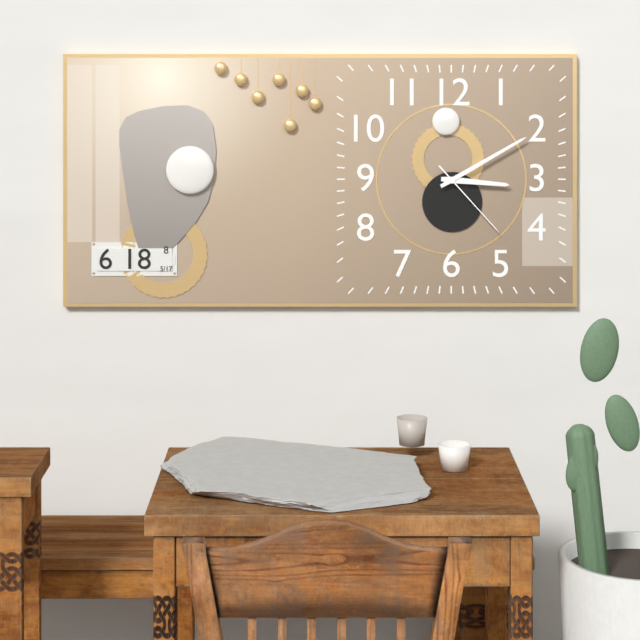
3:10:23
